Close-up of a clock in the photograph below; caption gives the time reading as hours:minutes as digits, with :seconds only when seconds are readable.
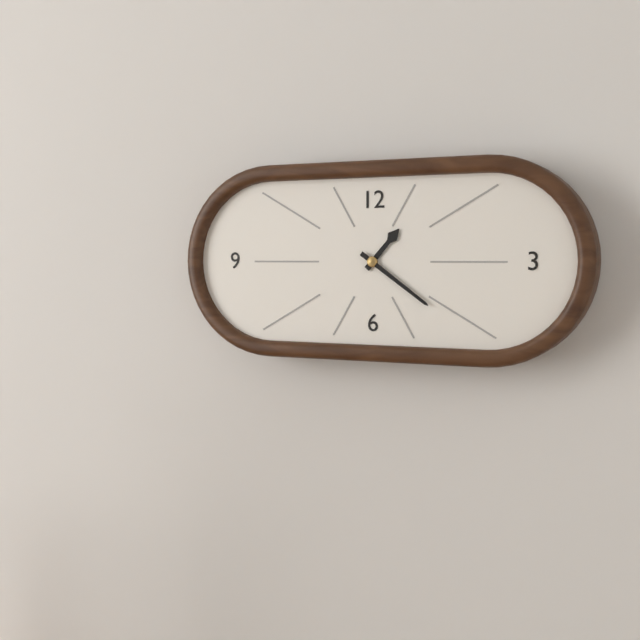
1:21
